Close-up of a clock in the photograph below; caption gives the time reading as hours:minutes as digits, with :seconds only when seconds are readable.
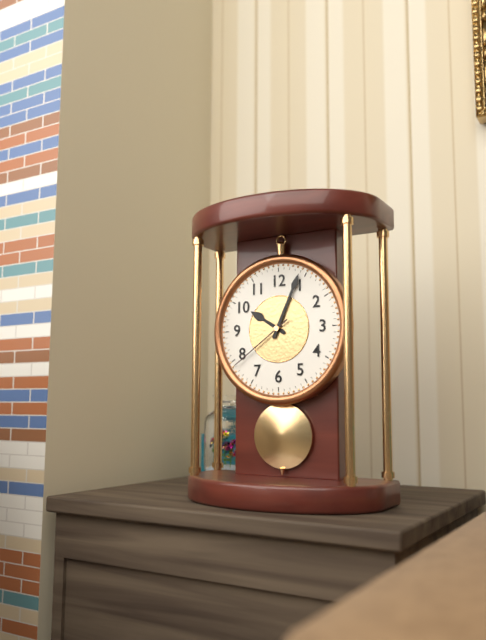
10:04:39
